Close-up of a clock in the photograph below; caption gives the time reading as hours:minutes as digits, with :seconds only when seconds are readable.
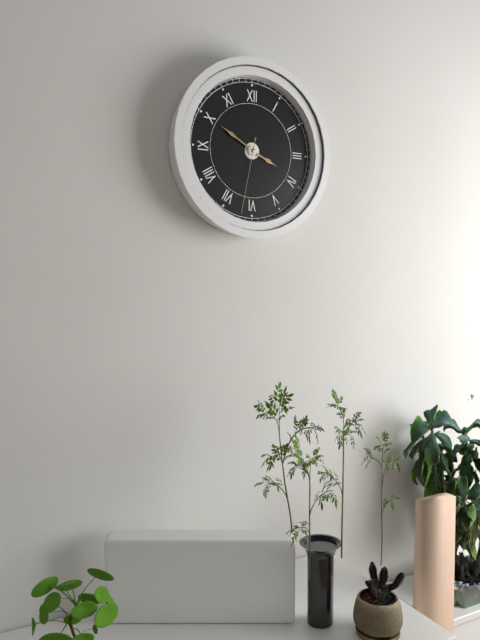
3:50:32
